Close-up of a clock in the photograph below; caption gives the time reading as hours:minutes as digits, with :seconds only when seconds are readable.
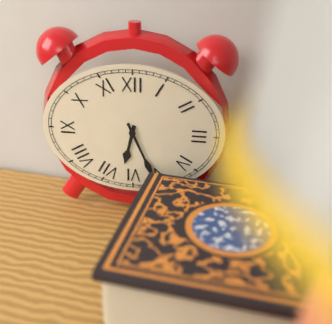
6:26
